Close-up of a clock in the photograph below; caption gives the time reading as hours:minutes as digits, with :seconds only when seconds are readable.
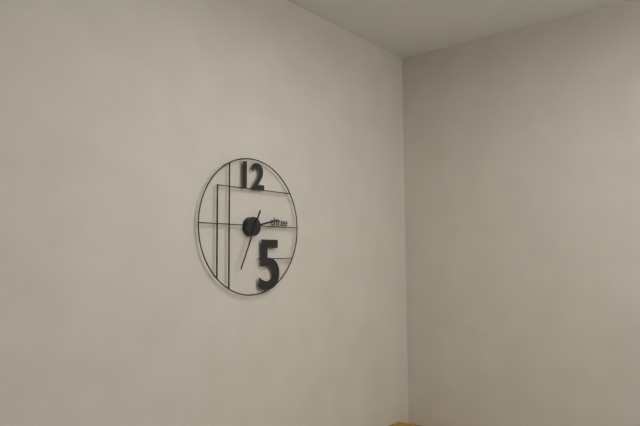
2:34
